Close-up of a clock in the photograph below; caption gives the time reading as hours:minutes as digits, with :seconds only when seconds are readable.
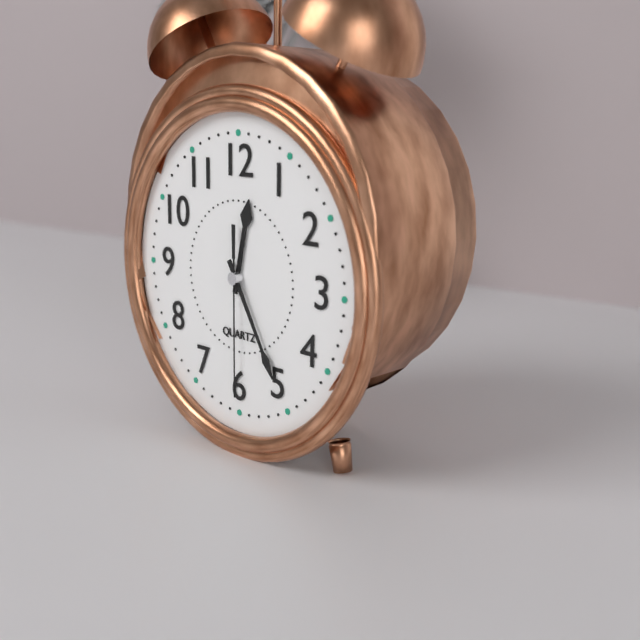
12:25:30
